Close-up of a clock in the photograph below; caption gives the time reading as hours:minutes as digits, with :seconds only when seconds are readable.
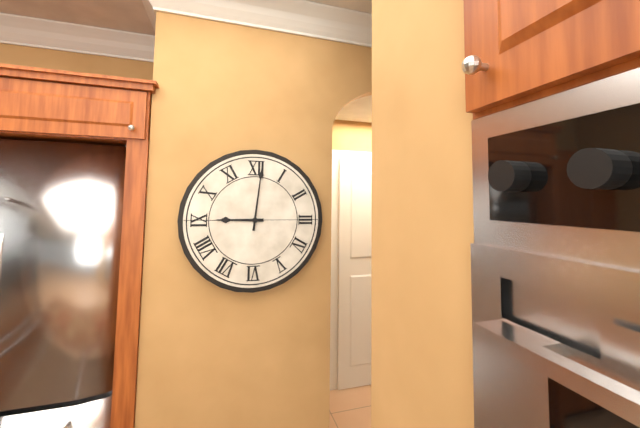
9:01
